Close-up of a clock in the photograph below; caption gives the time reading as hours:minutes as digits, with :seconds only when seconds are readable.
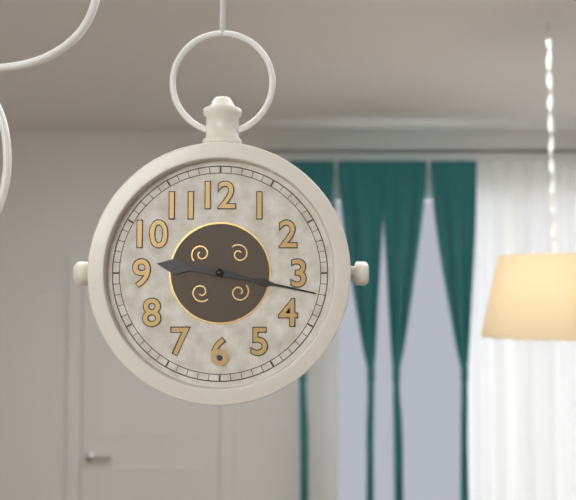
9:17
